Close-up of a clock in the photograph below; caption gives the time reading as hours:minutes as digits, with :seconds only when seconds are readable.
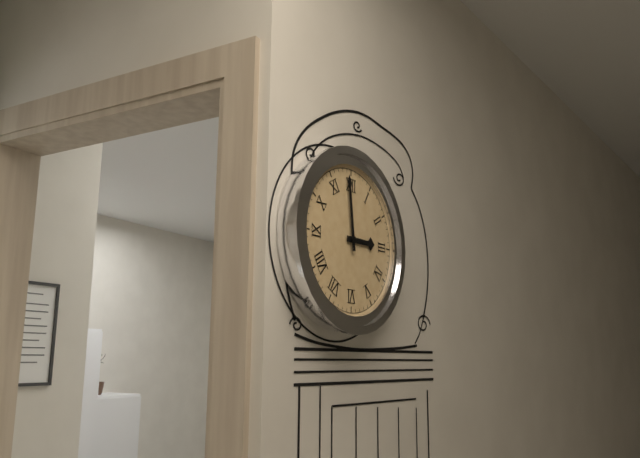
2:59
